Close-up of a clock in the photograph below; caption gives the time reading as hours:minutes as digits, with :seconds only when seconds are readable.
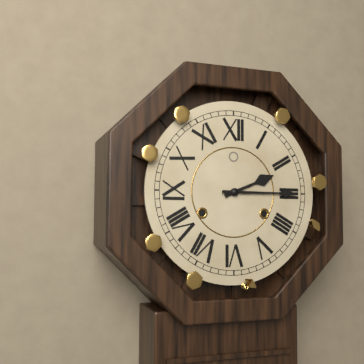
2:15
